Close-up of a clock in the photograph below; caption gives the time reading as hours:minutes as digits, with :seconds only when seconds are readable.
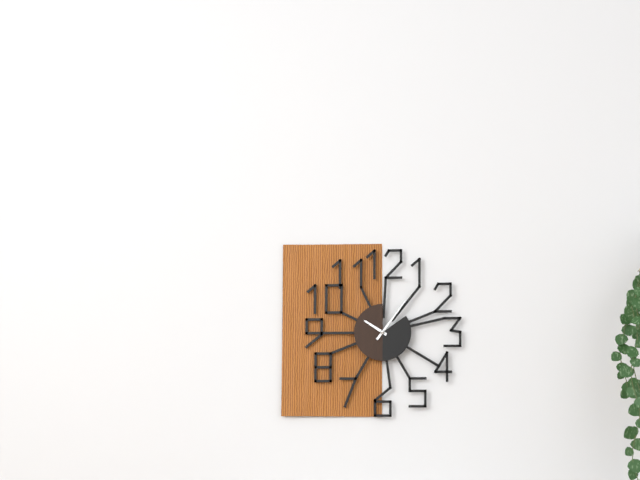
10:06
